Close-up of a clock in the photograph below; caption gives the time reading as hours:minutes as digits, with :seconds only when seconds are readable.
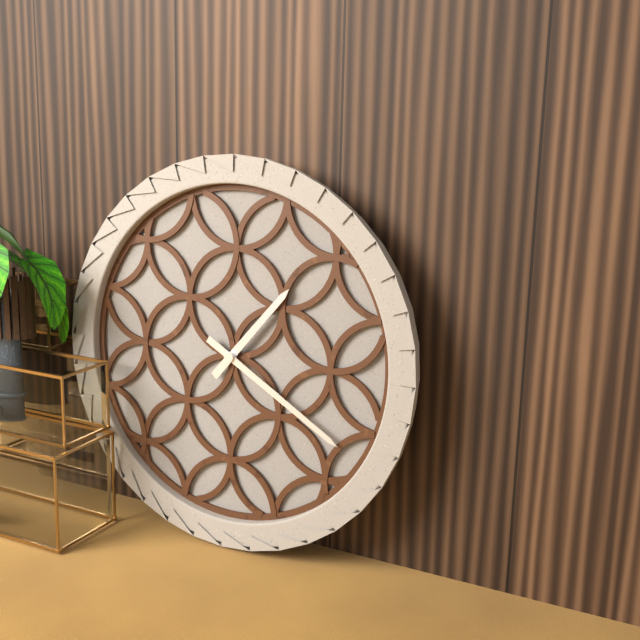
1:20
